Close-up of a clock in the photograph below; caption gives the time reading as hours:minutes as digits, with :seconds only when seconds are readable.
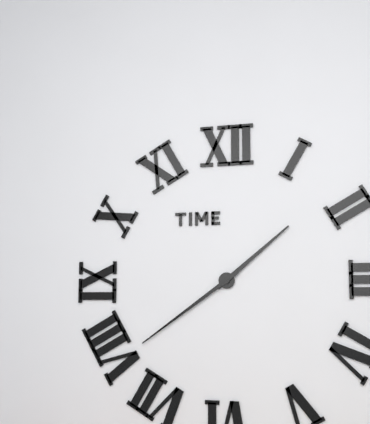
1:39
